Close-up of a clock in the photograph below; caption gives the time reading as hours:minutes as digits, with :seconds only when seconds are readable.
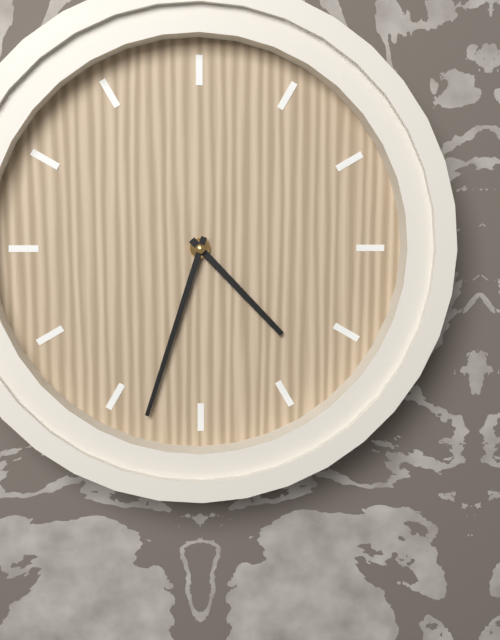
4:33
